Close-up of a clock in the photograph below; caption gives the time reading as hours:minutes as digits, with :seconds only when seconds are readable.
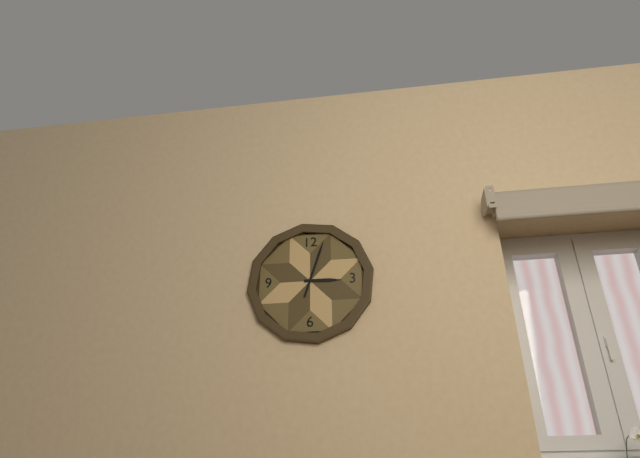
3:03
